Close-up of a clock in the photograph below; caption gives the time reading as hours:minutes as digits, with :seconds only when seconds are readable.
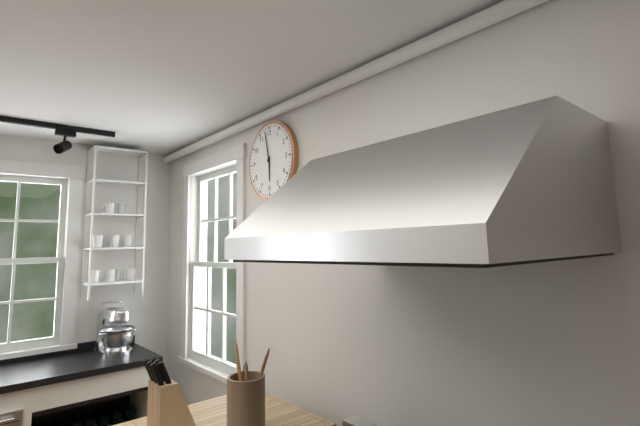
5:58
